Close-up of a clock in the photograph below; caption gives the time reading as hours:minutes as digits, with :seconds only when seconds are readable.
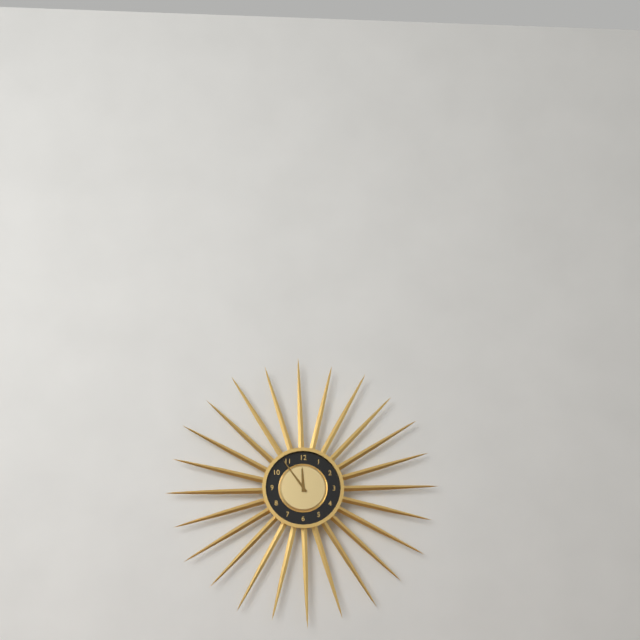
11:54
